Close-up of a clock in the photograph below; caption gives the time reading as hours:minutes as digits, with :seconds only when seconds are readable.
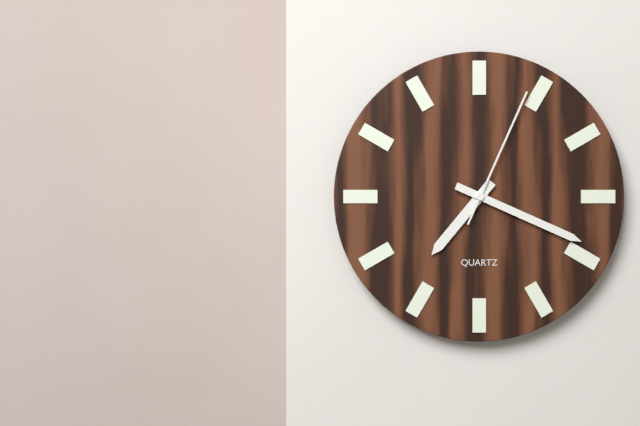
7:19:04
